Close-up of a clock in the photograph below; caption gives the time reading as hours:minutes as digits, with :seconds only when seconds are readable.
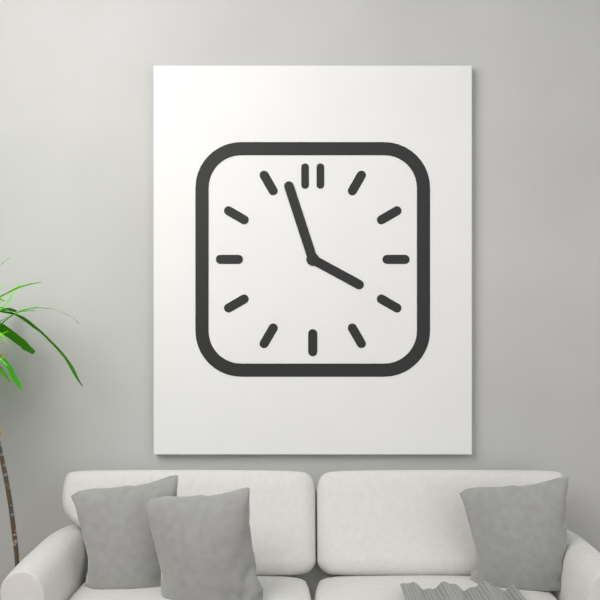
3:57
